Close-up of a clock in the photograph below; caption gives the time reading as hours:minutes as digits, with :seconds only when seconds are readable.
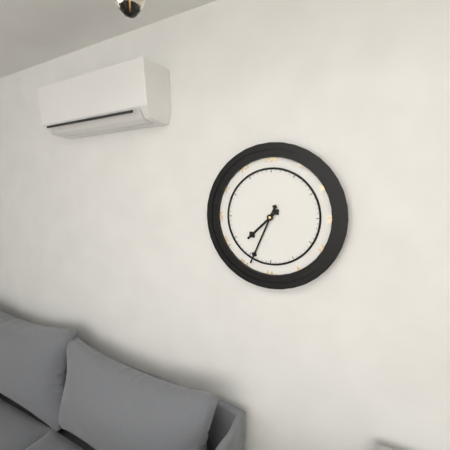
7:34
